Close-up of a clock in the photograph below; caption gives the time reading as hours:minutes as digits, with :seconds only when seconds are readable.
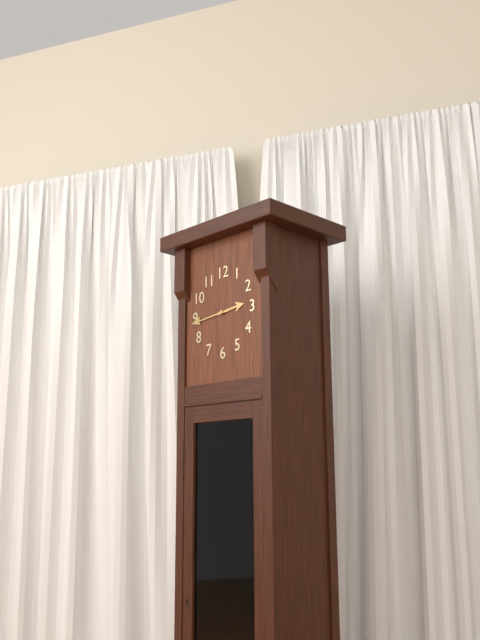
2:44
